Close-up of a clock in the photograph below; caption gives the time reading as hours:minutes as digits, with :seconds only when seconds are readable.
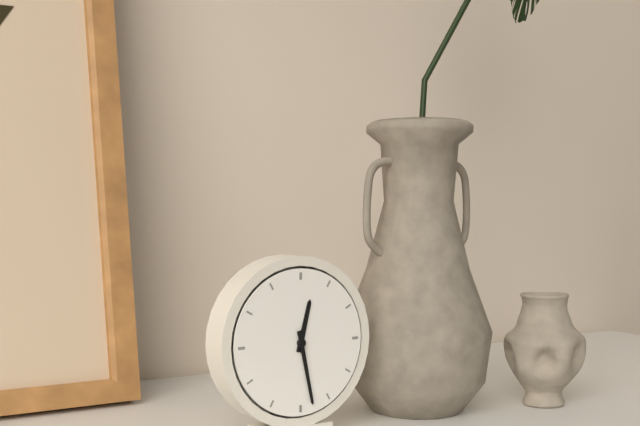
12:28
